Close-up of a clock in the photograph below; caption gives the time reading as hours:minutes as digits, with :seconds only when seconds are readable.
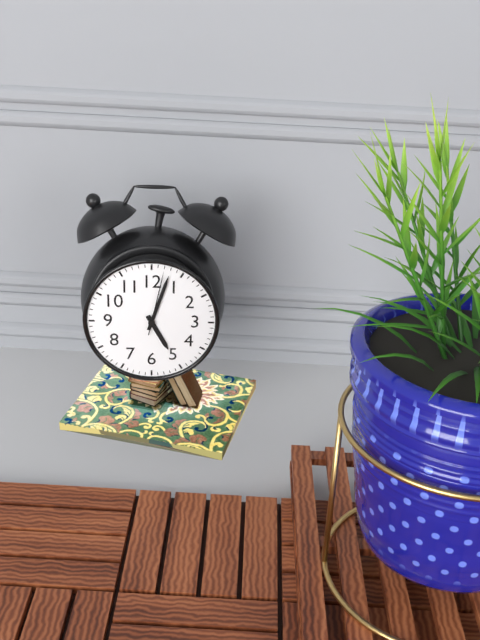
5:03:02
